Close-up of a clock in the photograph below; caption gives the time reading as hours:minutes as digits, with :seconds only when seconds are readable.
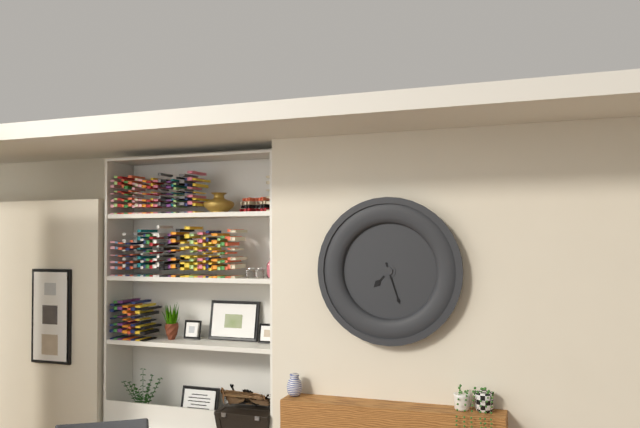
7:27
